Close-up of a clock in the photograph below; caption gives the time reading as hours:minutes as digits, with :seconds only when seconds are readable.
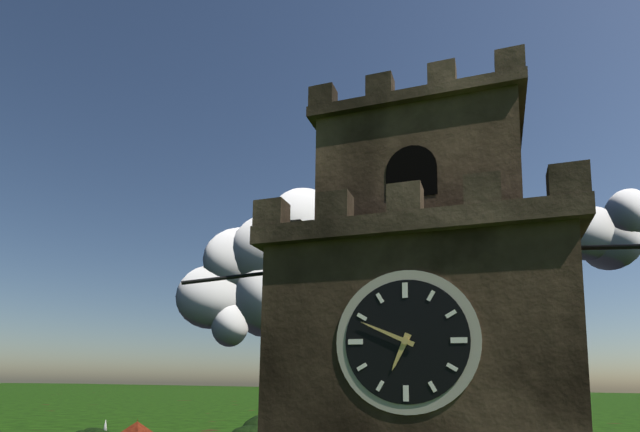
6:49
